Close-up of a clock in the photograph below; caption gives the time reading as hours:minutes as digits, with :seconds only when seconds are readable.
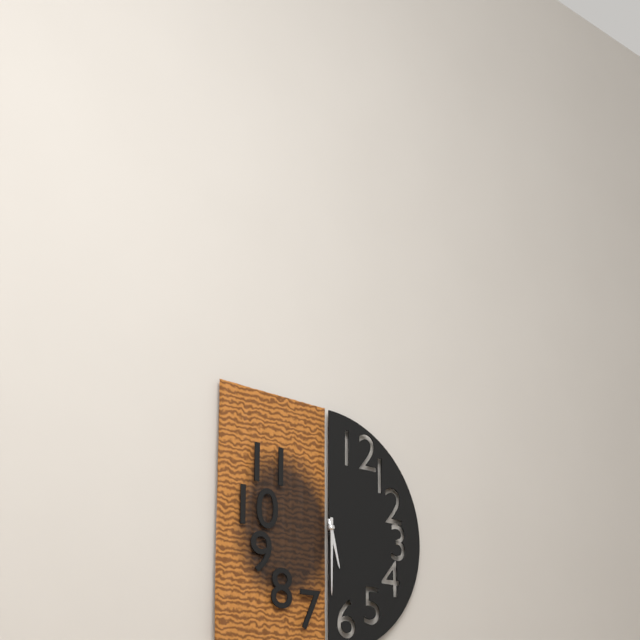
5:30
